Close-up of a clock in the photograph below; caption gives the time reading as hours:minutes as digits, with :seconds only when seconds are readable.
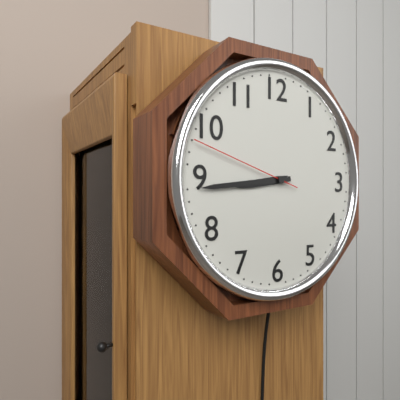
8:44:48
